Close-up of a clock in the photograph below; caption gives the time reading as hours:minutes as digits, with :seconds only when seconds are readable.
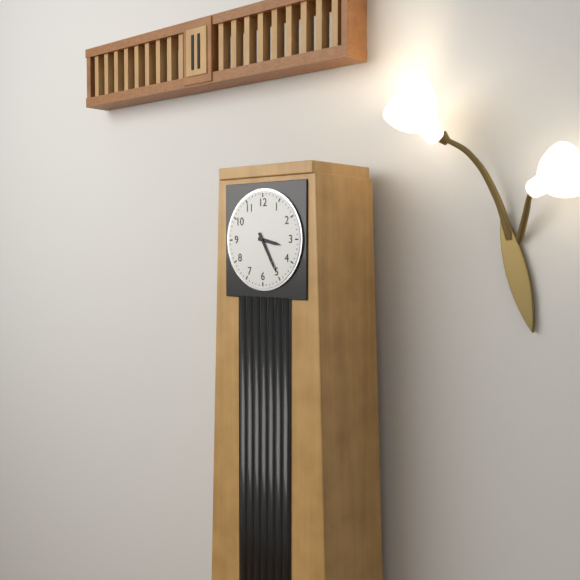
3:25
